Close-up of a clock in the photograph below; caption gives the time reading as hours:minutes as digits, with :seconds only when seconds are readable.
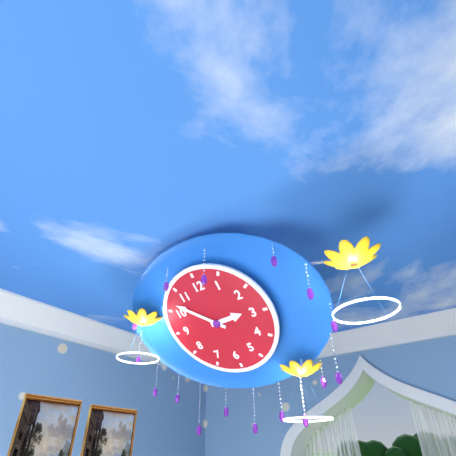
2:52
